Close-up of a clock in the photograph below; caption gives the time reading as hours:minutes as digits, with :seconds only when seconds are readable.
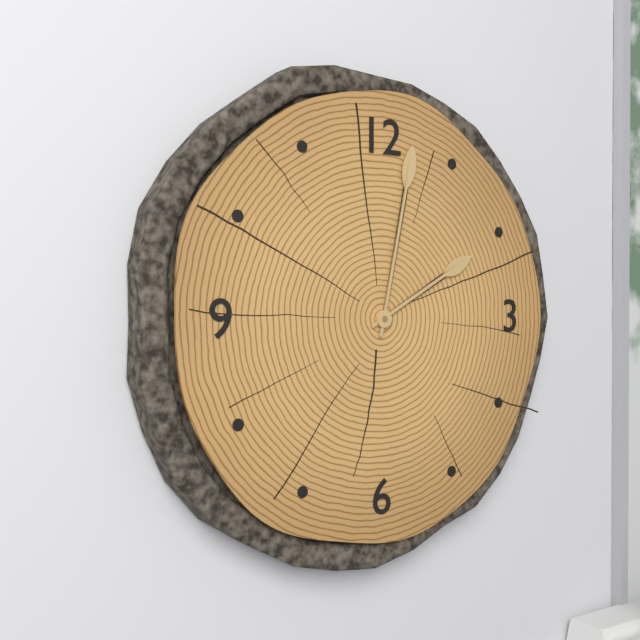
2:02
